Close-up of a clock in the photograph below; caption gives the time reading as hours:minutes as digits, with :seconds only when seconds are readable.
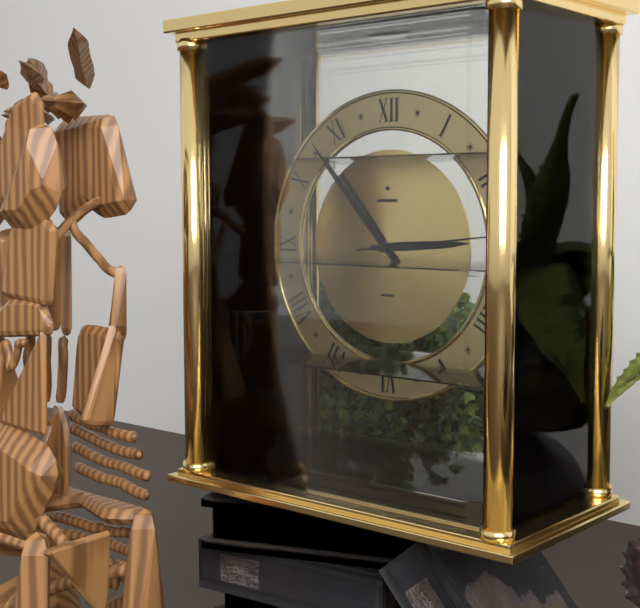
2:53:14
